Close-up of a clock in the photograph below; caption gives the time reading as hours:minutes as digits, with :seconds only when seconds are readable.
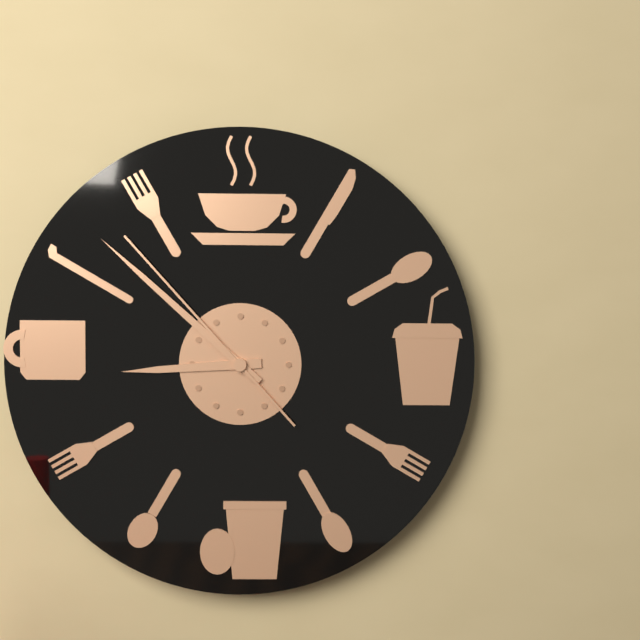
8:52:53
